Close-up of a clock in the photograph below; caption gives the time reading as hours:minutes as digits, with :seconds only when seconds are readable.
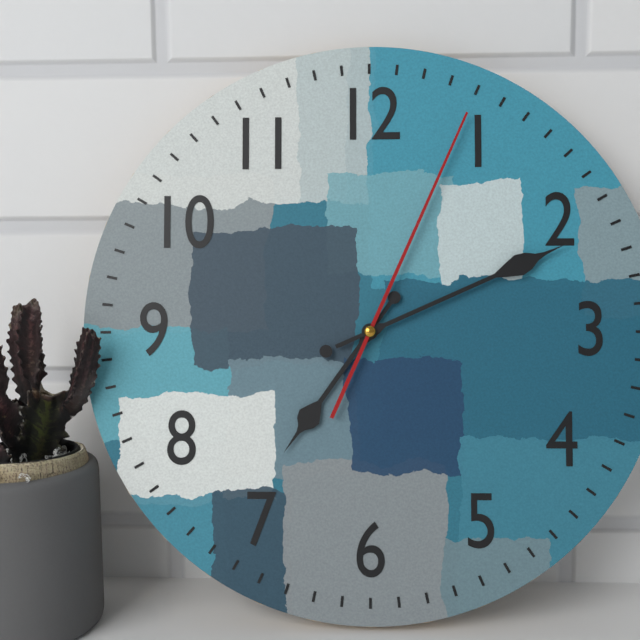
7:11:04
